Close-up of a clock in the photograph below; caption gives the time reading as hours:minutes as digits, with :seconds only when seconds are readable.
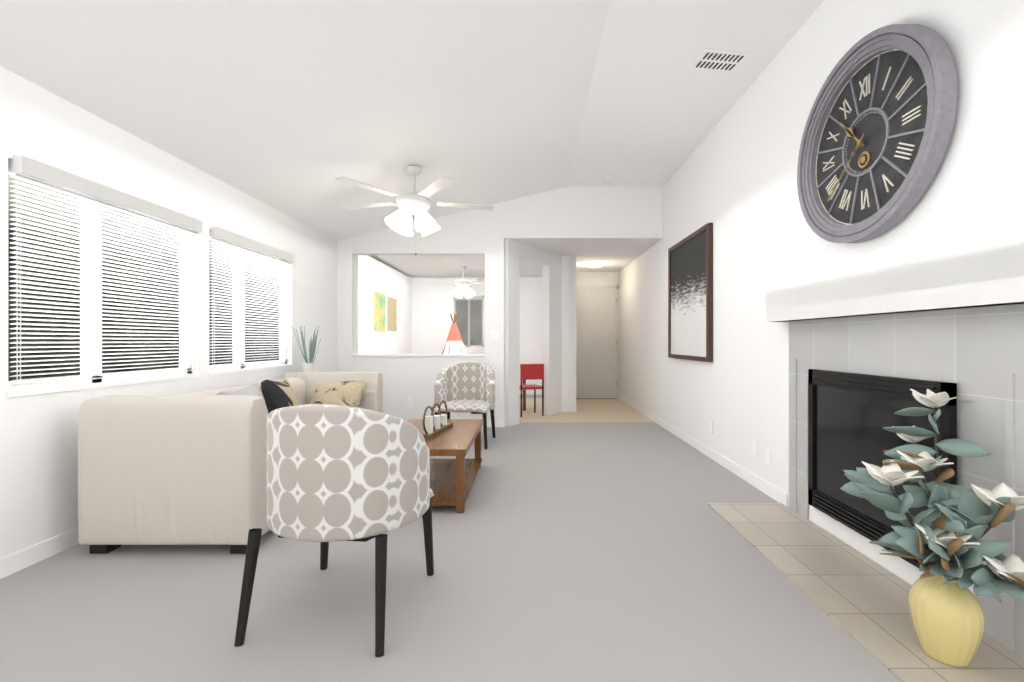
10:38
